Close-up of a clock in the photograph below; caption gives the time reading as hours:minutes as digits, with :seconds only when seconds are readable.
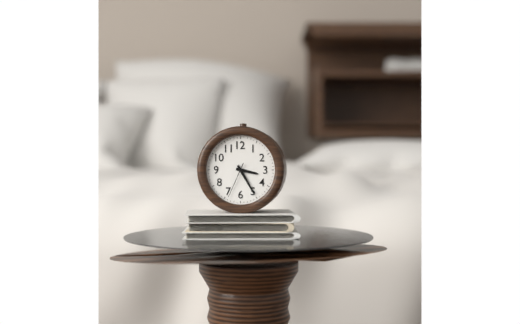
3:25
